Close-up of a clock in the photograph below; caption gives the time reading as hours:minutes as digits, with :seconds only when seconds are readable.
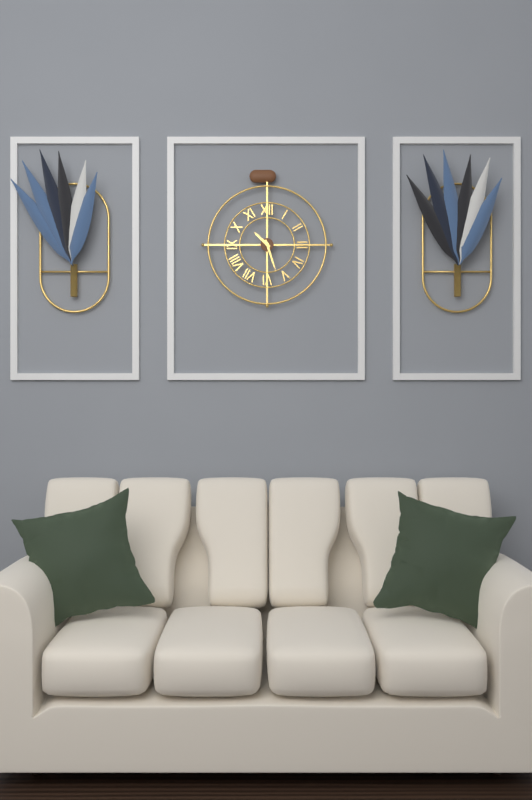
10:27
